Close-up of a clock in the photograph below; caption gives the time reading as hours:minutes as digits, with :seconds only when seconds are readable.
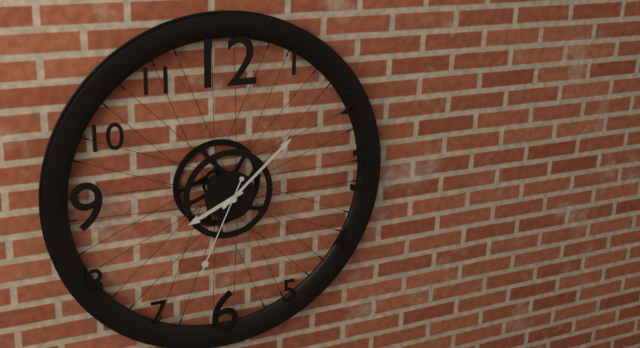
8:08:34
